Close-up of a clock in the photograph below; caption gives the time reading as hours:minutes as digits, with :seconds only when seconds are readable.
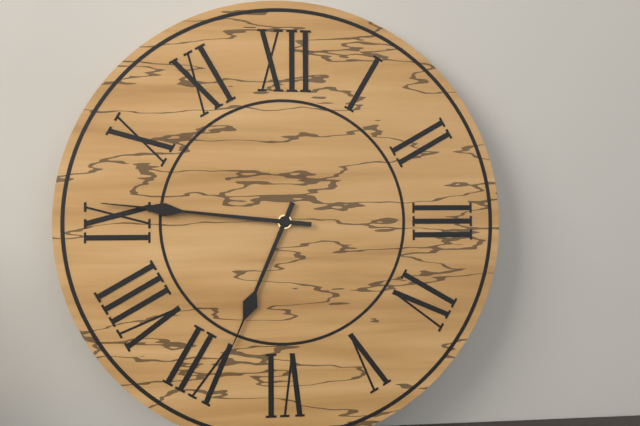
6:46
